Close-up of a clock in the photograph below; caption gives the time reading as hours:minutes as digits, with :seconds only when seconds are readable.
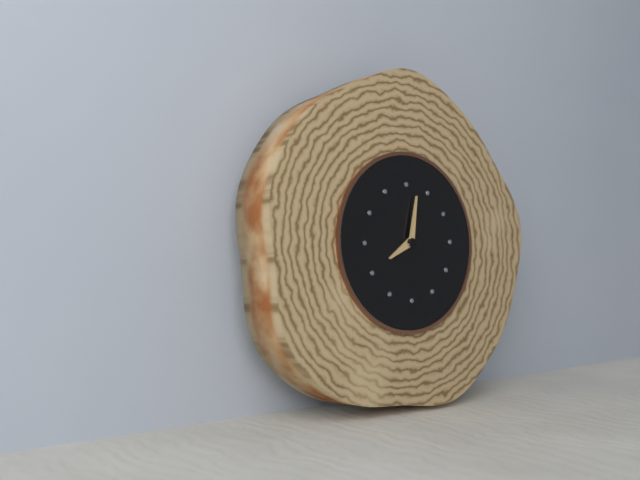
8:02
